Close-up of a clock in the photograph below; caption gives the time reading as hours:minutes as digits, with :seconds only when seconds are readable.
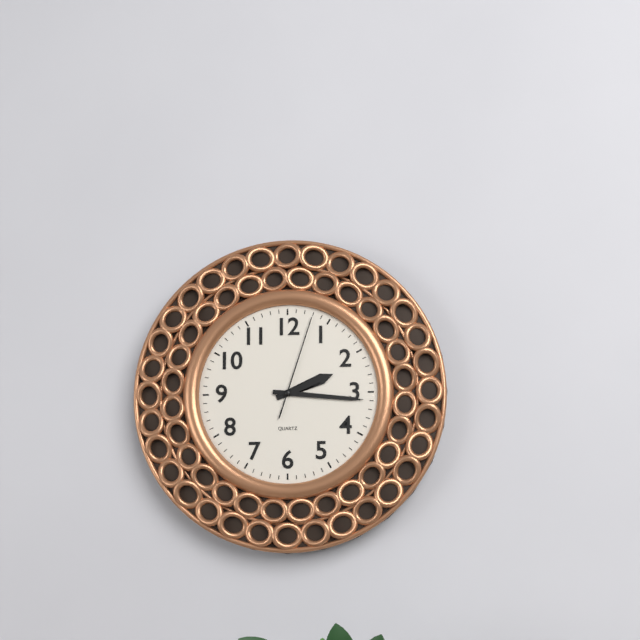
2:16:03
